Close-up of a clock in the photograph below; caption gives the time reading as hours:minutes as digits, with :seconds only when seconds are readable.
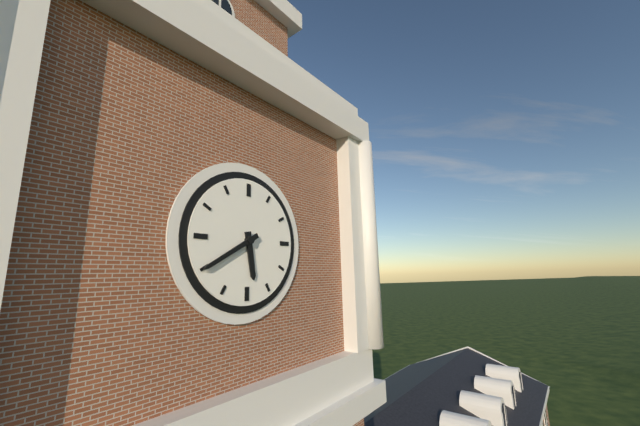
5:40
